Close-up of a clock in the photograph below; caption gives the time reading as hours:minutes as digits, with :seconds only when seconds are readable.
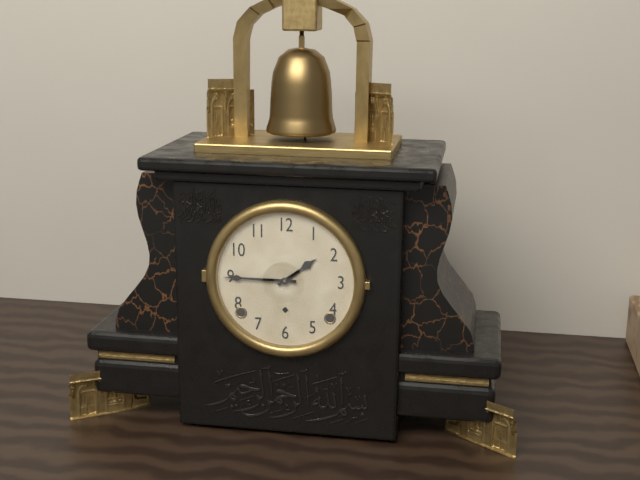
1:45
